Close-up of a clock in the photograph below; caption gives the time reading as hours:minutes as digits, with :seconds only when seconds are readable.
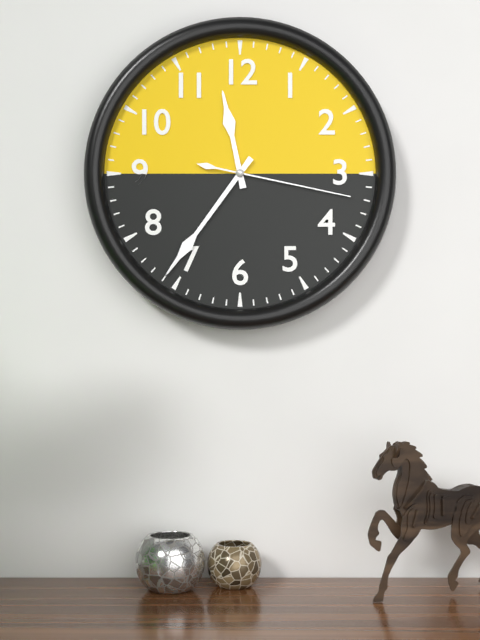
11:36:17
